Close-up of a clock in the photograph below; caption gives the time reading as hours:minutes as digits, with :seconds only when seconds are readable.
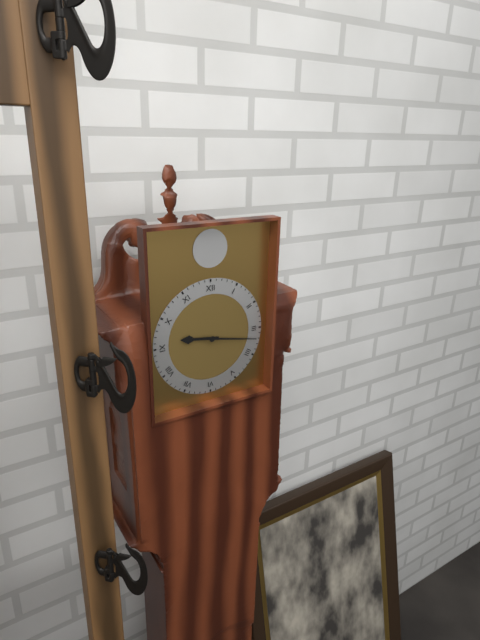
9:17
